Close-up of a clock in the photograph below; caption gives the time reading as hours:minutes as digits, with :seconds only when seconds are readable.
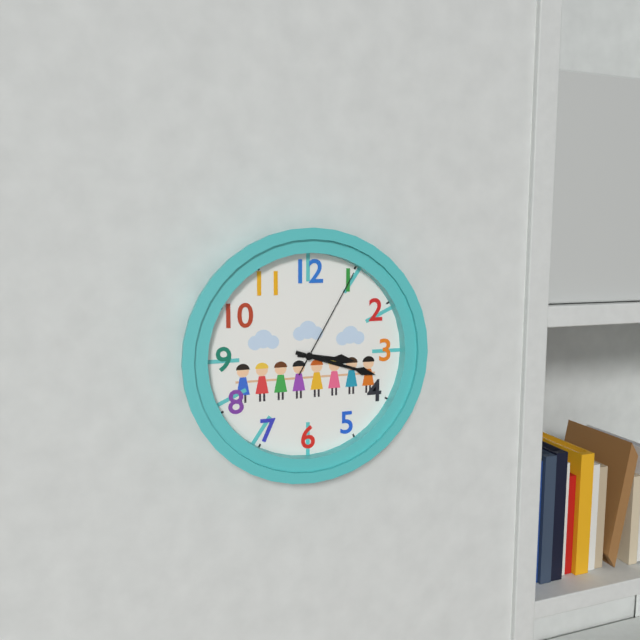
3:18:05
